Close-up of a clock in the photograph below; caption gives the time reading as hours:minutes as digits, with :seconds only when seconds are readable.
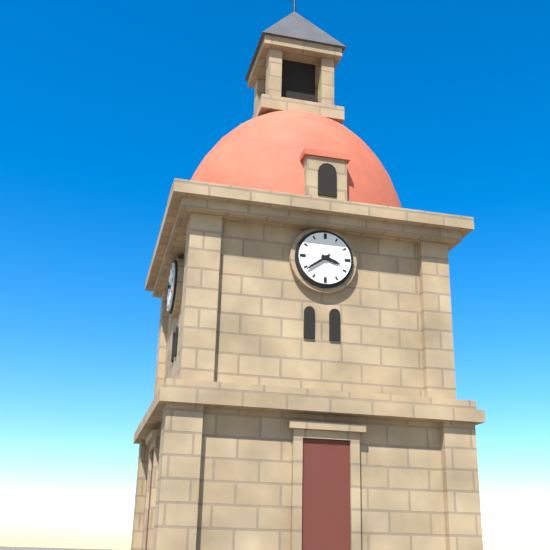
3:39
